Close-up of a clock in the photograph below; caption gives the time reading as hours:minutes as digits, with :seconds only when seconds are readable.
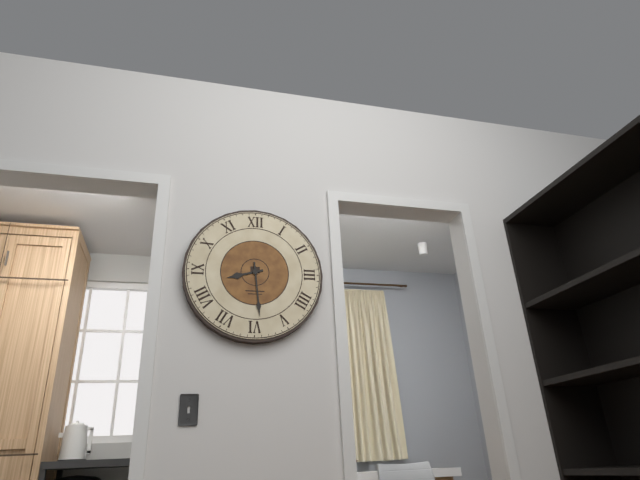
8:29
